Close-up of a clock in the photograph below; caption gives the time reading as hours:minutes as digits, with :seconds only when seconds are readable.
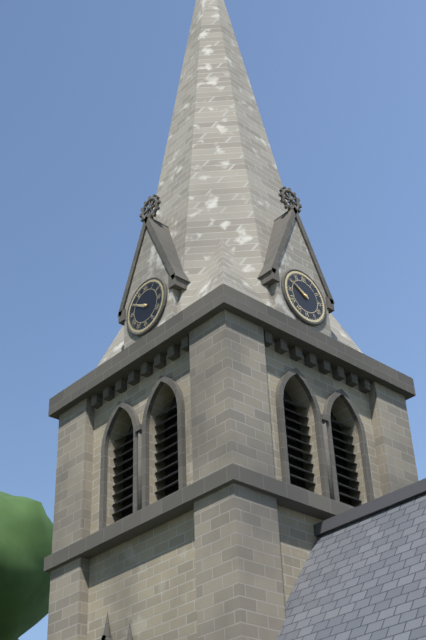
9:50
